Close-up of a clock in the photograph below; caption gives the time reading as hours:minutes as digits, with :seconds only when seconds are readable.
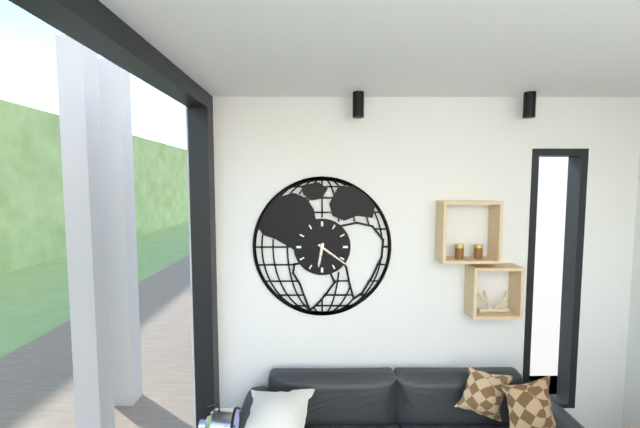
6:21
